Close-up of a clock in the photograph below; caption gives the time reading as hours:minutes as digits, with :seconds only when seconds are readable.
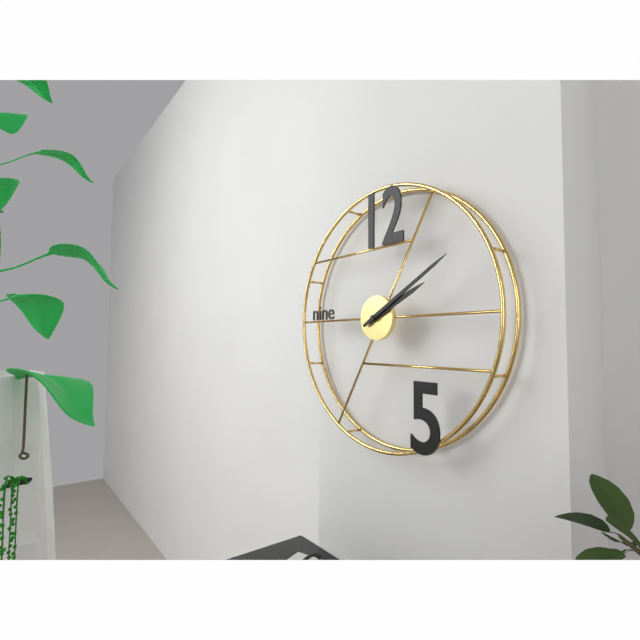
2:10
